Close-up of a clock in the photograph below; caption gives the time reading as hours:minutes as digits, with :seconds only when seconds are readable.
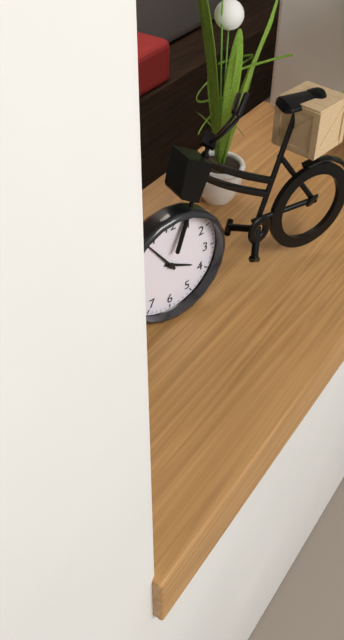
3:54
